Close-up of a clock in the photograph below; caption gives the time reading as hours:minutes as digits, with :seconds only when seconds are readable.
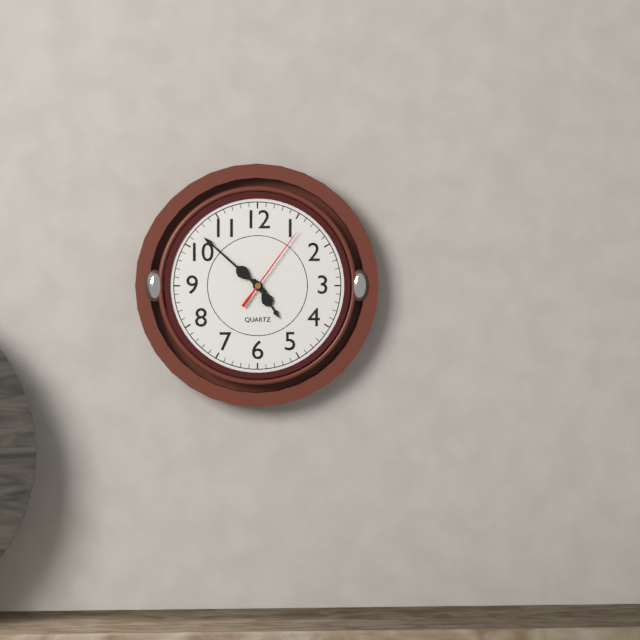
4:52:06
